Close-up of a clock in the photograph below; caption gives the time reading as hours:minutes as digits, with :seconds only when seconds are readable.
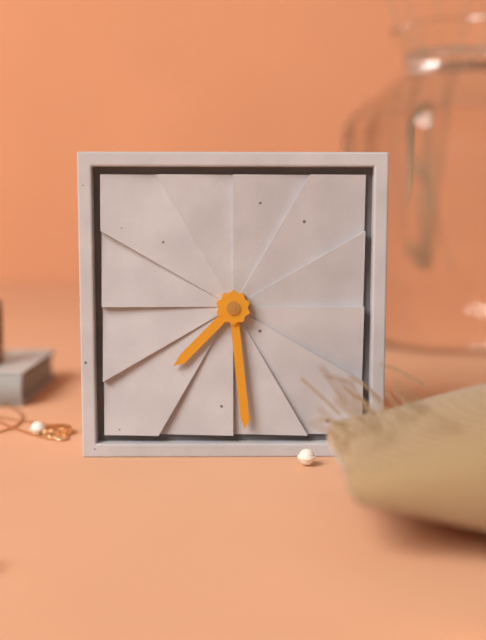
7:29
